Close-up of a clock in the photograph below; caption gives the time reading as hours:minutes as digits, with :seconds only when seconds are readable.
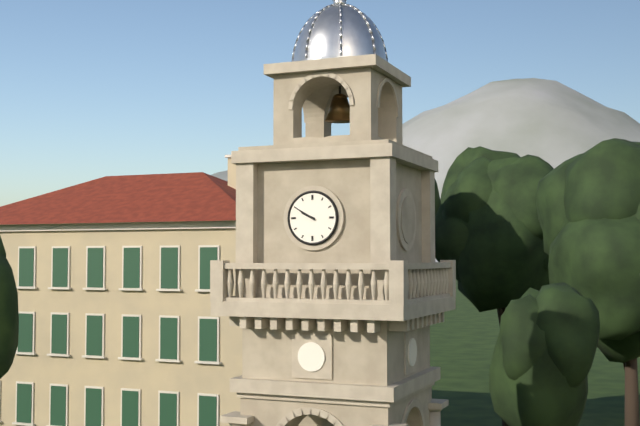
9:50
